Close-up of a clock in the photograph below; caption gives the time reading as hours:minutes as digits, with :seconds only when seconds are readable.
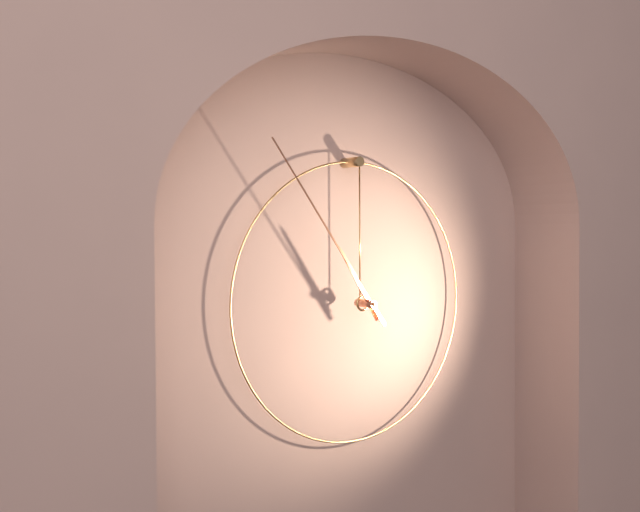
10:54
